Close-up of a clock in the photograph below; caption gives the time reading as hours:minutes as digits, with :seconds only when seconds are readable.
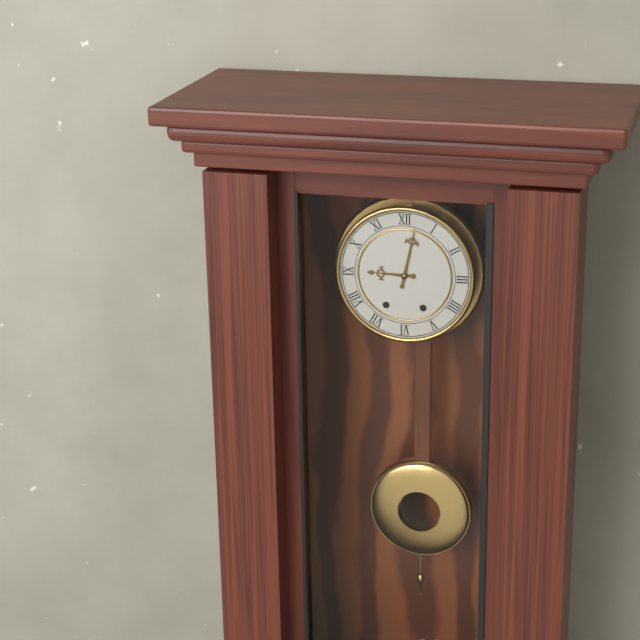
9:02
